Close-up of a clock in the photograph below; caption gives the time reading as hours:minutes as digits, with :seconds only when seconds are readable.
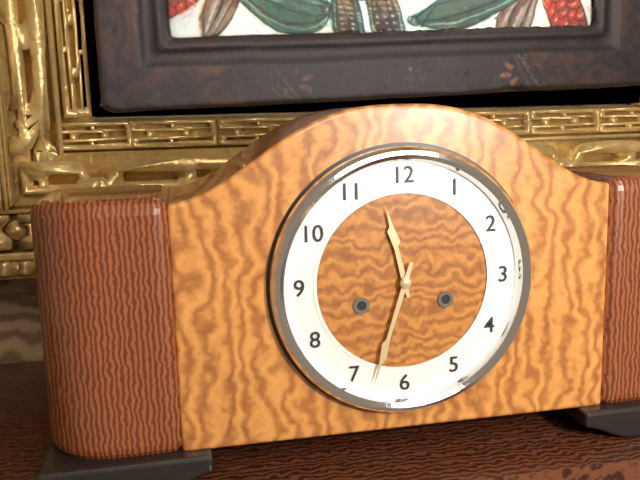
11:33
